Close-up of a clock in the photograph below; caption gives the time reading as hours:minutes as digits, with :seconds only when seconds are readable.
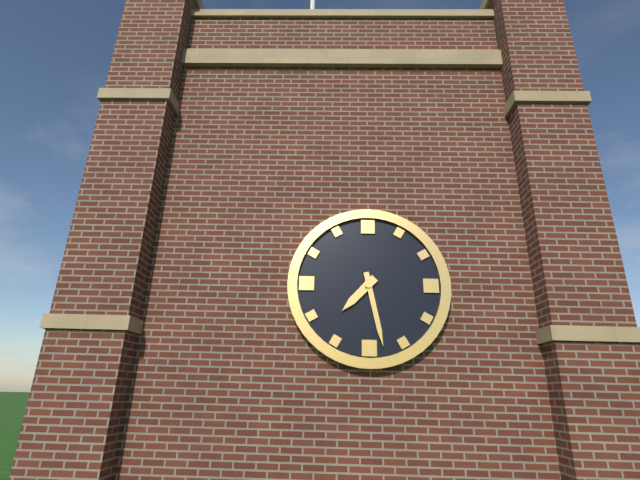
7:28
